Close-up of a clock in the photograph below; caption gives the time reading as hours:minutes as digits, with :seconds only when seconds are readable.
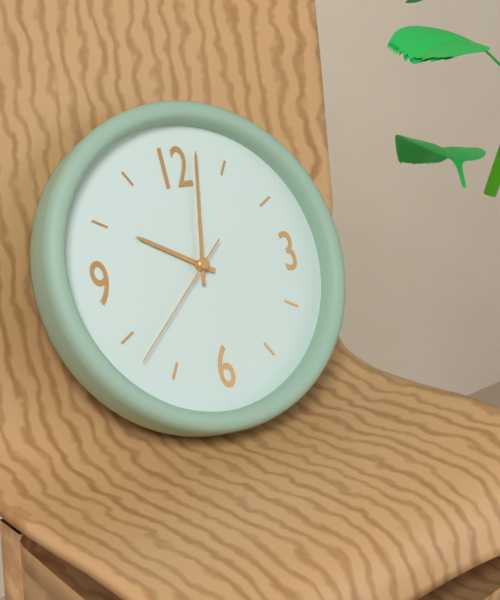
10:02:38
